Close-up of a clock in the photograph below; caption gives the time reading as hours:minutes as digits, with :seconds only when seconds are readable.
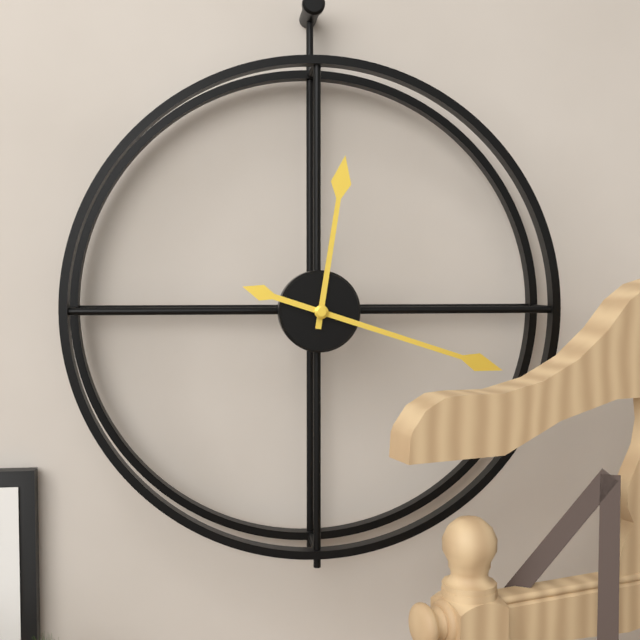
12:18
